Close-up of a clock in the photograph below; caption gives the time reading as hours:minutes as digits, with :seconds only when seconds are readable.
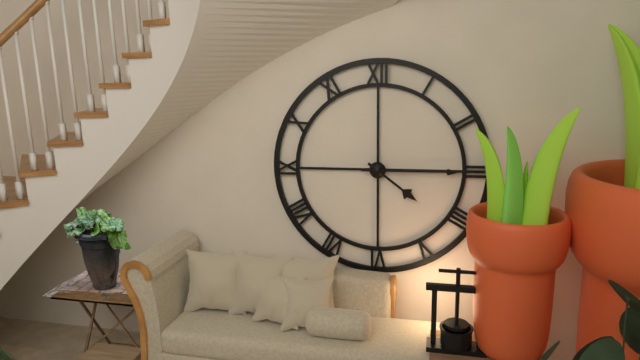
4:15
